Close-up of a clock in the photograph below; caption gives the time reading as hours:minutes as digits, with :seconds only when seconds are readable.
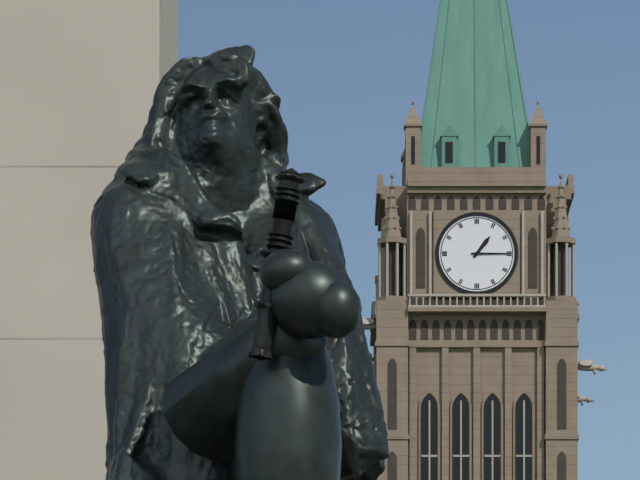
1:15
